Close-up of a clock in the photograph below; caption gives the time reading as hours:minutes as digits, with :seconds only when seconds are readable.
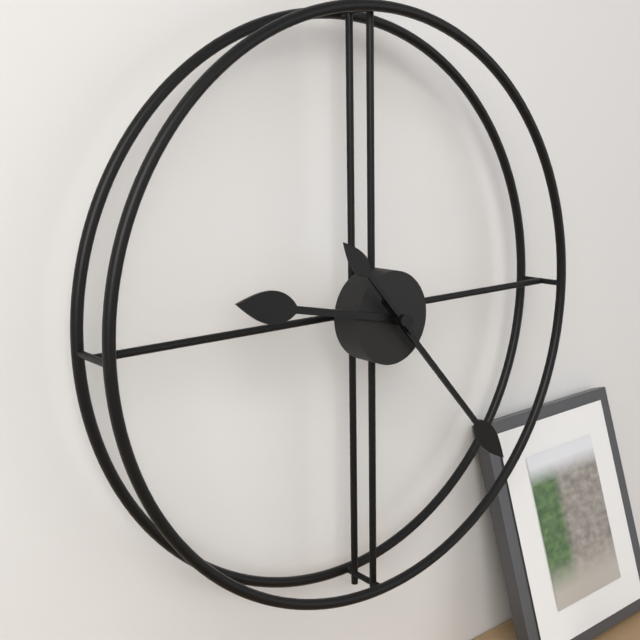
9:23:53
